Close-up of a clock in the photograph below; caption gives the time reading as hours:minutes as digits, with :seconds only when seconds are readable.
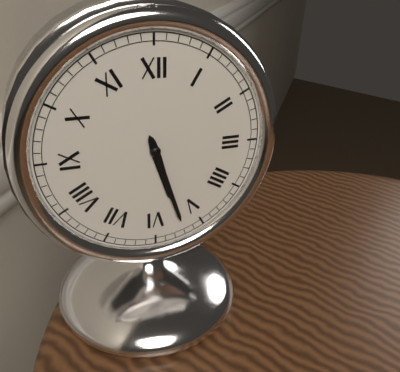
5:27
